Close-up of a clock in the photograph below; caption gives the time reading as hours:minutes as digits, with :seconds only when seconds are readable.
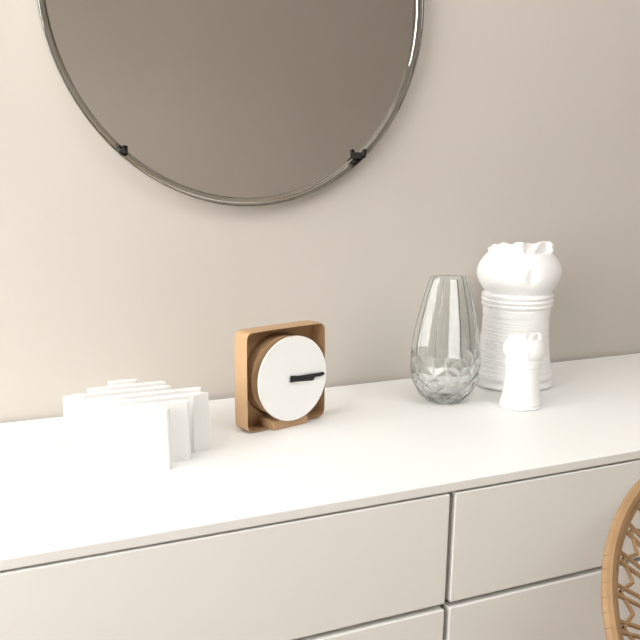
3:15
